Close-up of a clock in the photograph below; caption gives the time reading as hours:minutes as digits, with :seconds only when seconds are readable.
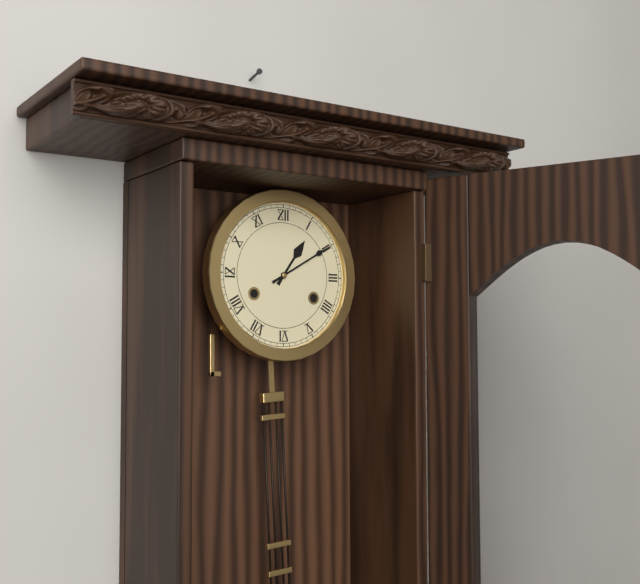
1:10
